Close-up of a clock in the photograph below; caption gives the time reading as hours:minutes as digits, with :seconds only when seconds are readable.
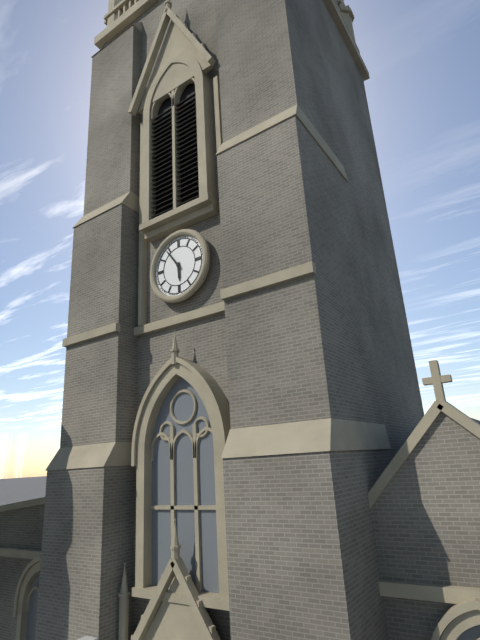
5:54
